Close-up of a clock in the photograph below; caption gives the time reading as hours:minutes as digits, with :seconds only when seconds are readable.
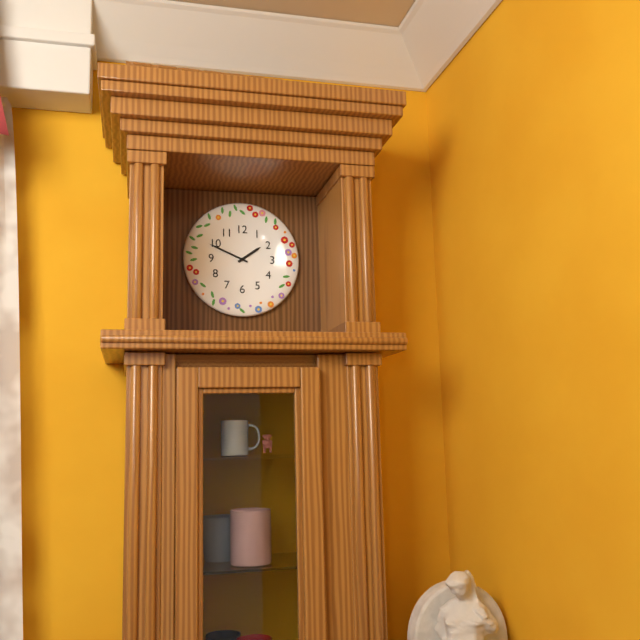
1:49
